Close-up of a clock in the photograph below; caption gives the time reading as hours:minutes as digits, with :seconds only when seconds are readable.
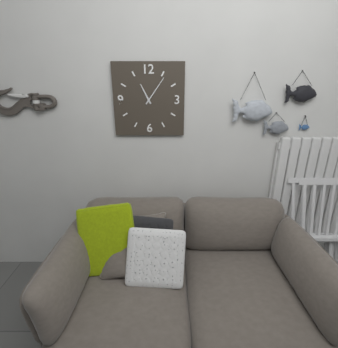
11:06
